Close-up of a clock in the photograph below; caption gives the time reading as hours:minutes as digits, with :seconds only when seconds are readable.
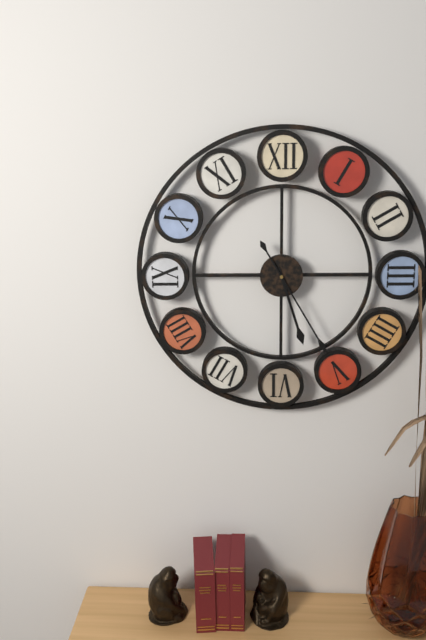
5:25
